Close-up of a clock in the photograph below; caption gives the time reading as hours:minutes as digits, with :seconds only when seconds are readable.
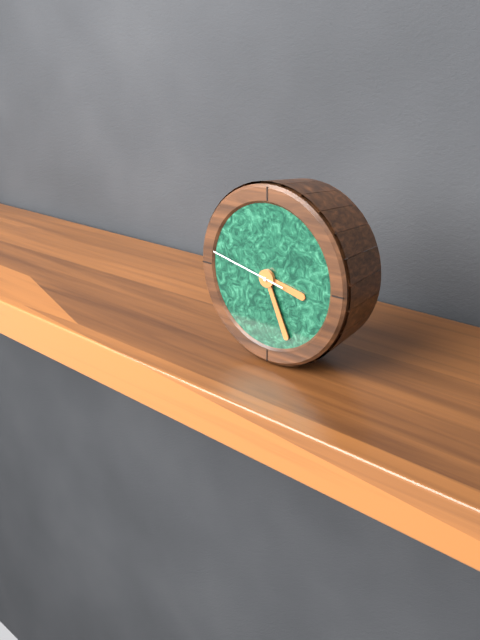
3:26:47
